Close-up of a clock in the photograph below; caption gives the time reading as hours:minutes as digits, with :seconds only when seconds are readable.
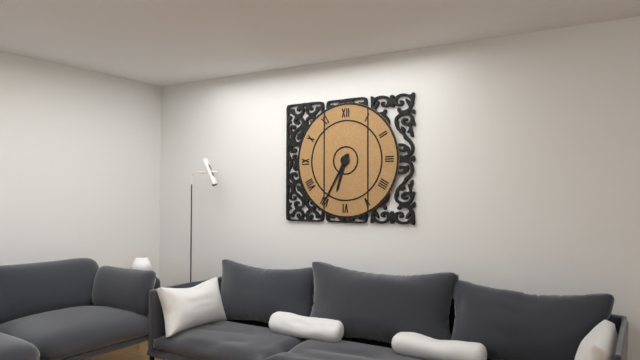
6:35
